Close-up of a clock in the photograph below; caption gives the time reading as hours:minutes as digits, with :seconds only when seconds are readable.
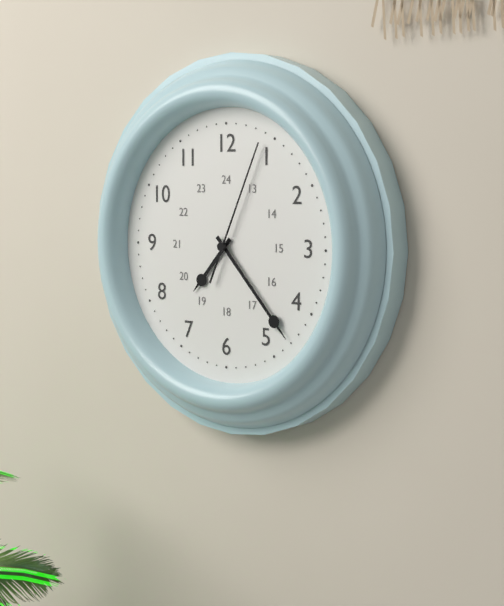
7:23:04
